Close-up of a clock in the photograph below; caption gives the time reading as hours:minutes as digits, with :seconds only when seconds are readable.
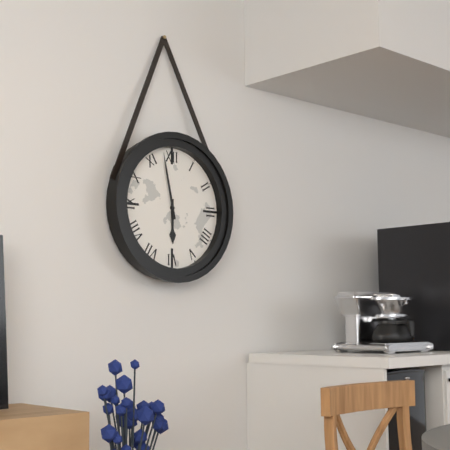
5:58
